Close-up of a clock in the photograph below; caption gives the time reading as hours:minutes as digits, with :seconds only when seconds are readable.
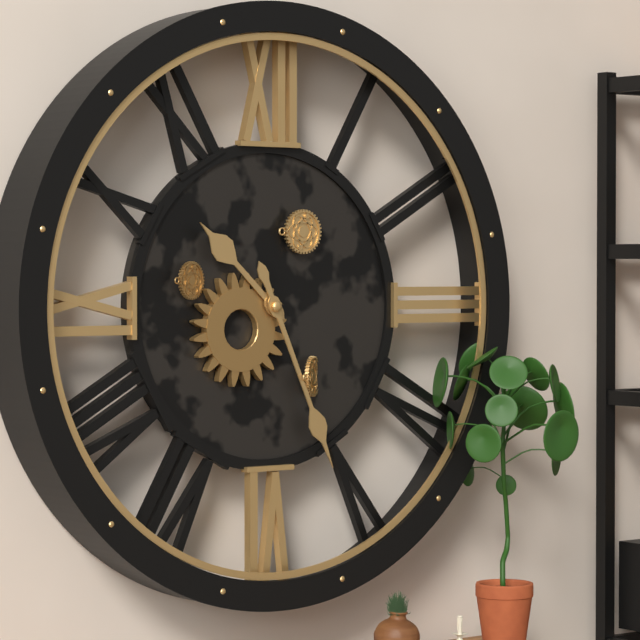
10:26
